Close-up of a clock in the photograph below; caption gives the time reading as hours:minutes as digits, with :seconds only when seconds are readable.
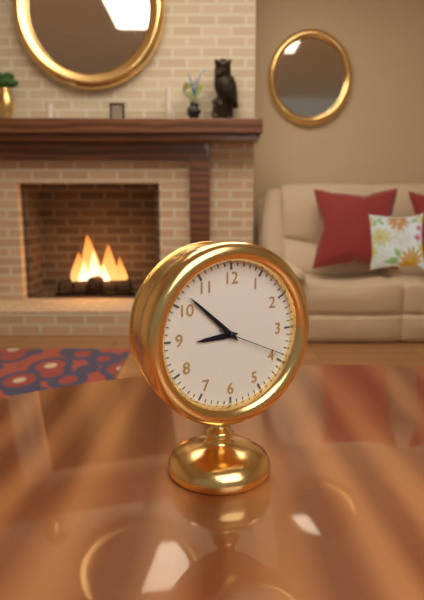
8:52:19
